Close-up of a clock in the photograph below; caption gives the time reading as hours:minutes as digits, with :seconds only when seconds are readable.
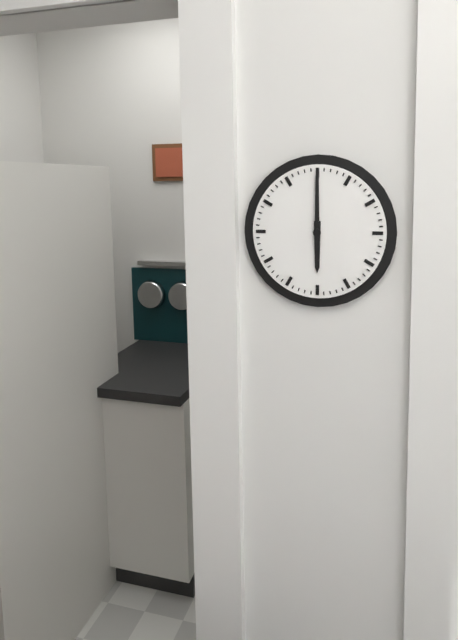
6:00
